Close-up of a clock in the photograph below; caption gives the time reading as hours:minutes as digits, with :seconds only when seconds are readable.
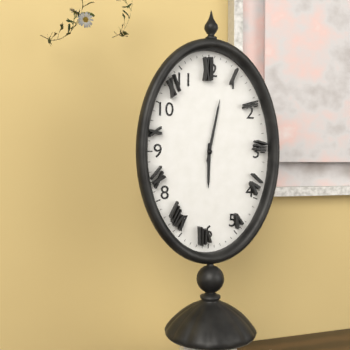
6:02
